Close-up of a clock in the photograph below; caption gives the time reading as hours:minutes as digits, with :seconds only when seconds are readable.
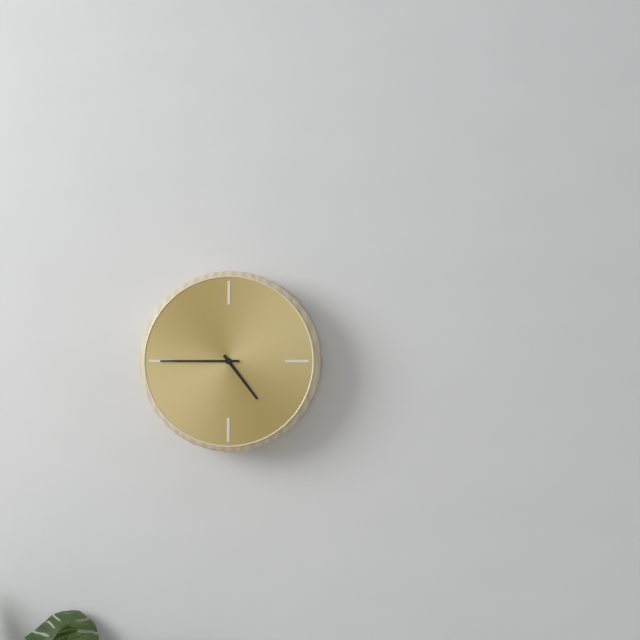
4:45
